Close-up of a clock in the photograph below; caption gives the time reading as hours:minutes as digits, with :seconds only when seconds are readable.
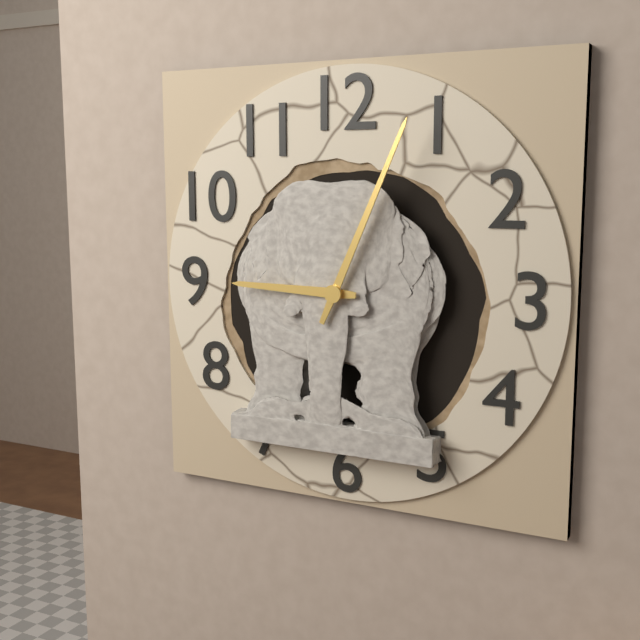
9:04
